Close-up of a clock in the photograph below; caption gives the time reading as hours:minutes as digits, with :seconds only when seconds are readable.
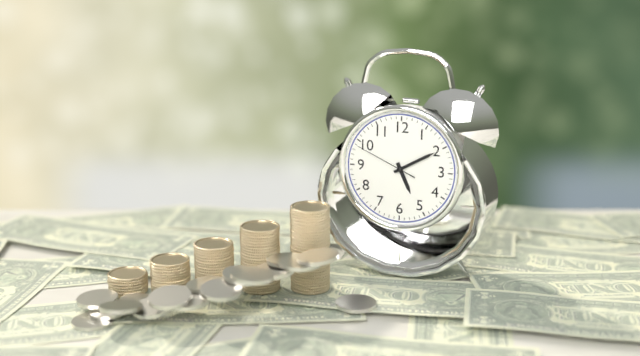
5:10:49
